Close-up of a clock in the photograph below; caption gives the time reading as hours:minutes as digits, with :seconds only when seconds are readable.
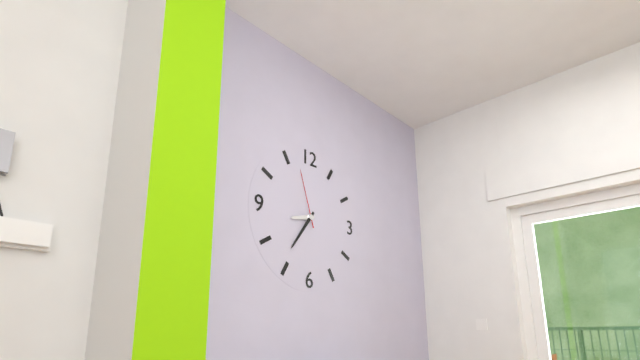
8:36:57
